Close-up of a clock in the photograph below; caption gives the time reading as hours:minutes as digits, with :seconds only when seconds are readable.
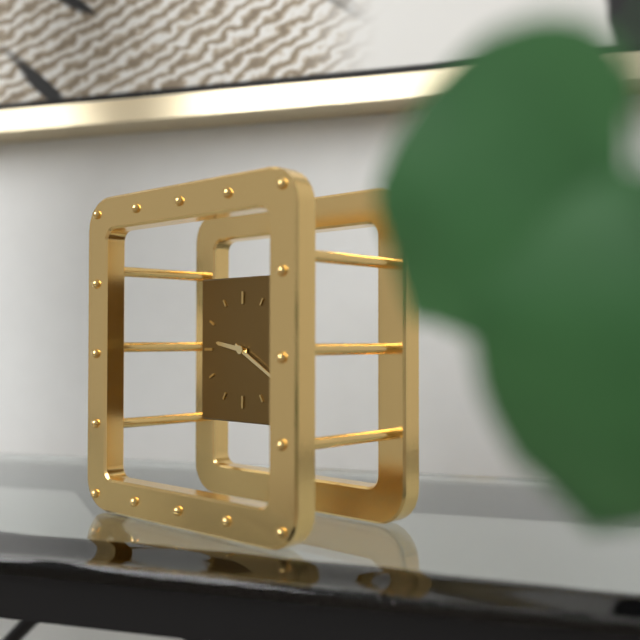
9:20
